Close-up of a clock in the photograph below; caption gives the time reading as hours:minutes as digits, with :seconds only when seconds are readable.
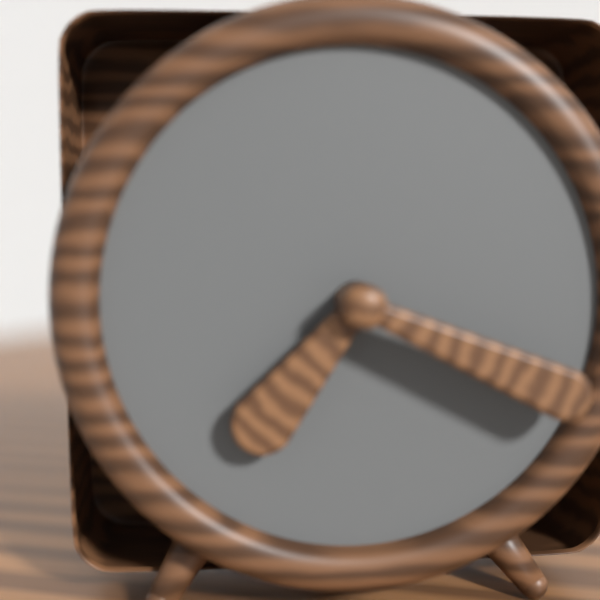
7:19
